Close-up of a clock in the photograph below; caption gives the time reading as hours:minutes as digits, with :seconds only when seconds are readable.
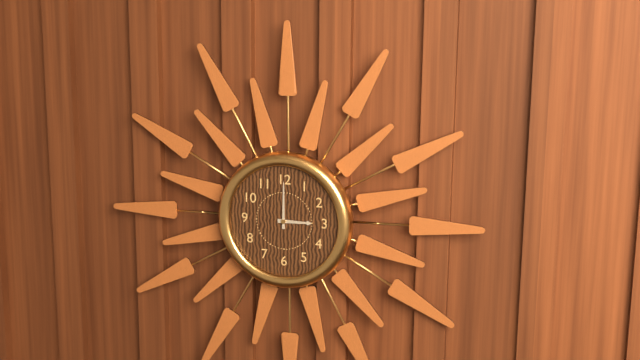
3:00
